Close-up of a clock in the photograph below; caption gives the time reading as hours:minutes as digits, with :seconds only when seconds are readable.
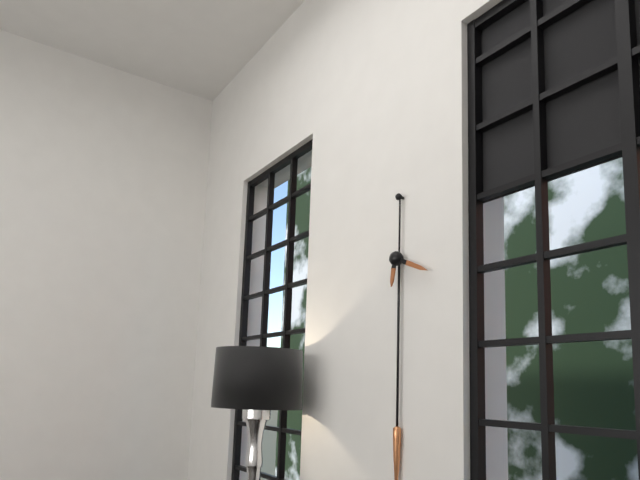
6:19
